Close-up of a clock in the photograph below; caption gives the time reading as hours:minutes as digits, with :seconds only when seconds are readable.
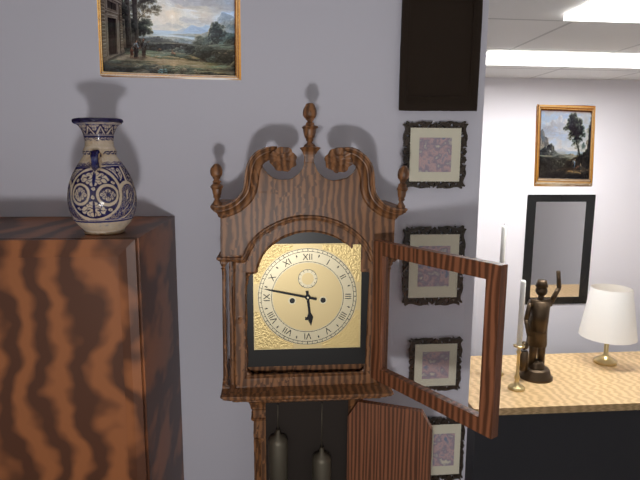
5:47
